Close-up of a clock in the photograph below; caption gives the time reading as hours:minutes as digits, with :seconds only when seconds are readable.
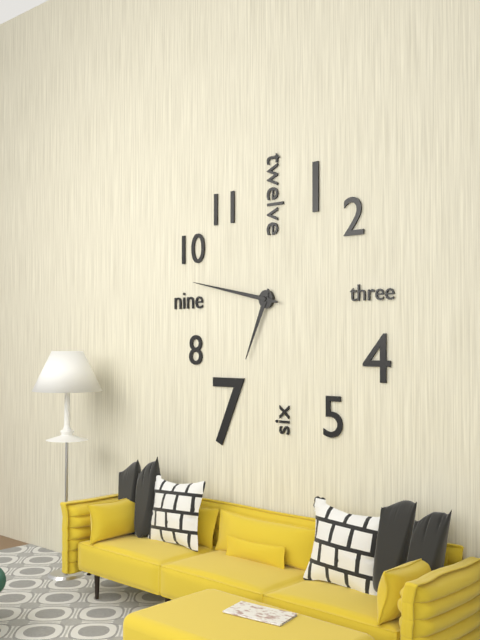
6:47
